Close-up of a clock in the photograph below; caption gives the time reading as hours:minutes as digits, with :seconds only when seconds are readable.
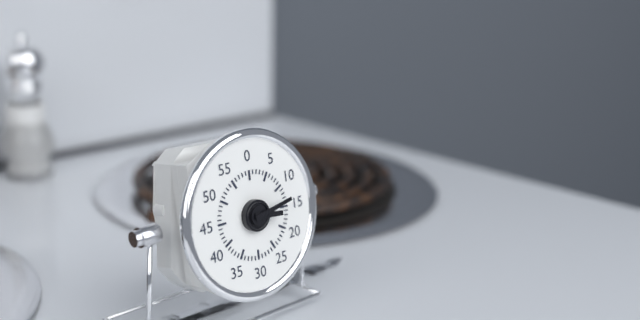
3:13
